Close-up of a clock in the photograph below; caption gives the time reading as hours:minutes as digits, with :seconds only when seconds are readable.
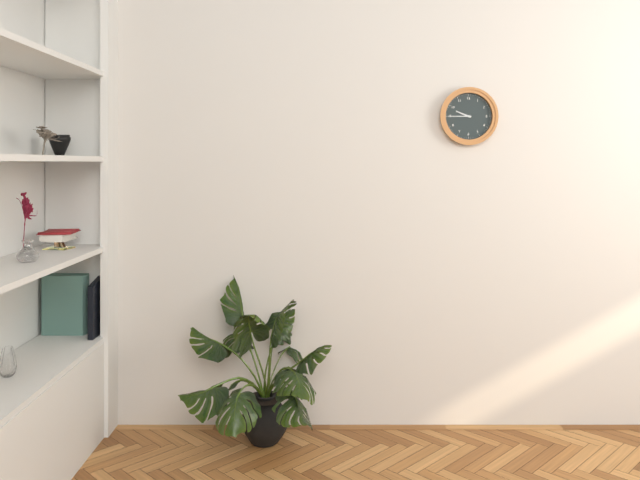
9:45
